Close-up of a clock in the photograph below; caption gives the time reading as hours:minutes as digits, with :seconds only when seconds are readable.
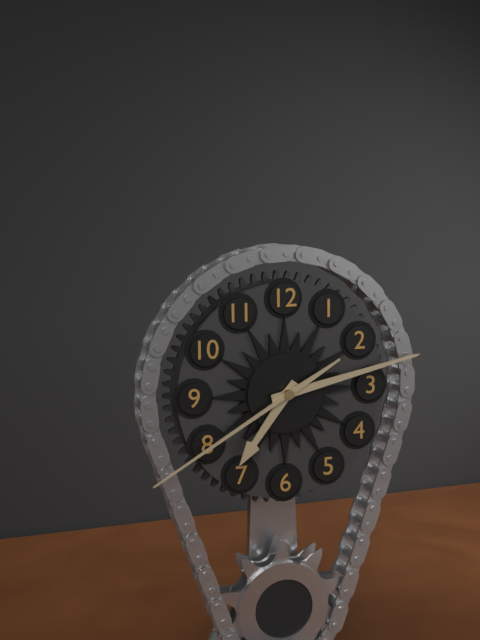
7:13:40
